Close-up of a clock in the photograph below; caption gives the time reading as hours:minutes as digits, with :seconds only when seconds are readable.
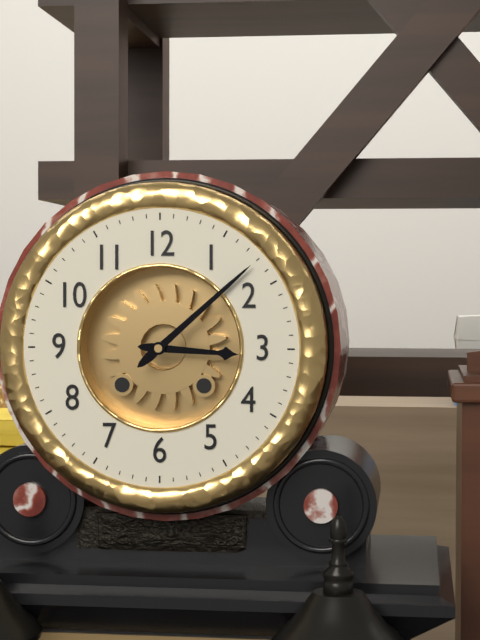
3:08
